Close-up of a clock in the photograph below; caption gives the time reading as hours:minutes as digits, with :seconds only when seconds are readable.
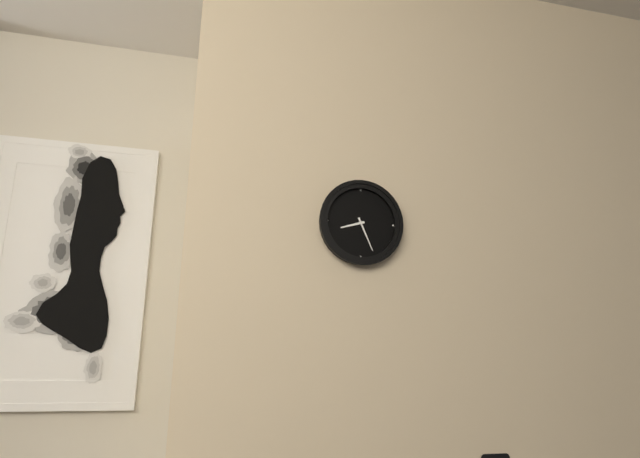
8:26
